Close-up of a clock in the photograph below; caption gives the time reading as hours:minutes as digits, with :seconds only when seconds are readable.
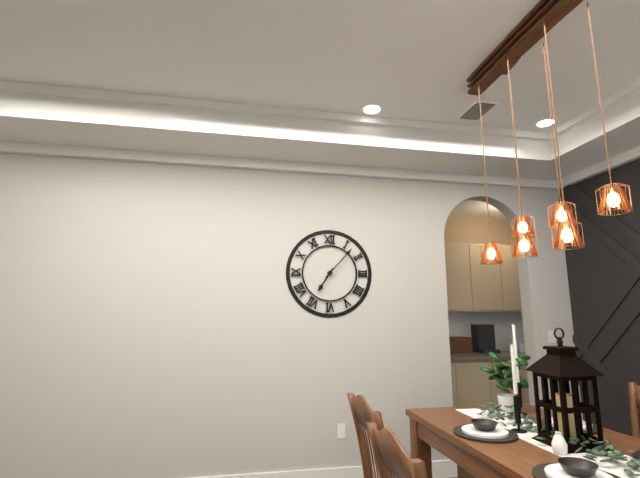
7:07
